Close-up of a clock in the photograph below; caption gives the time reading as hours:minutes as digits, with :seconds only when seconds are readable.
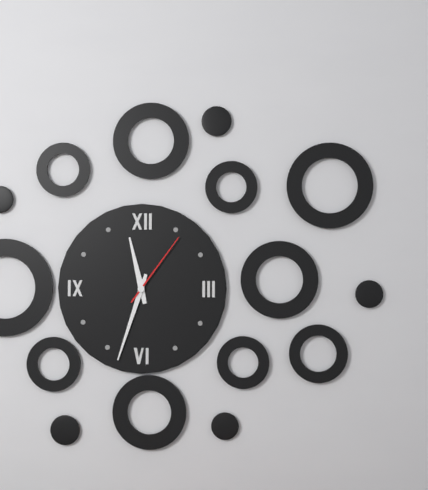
11:33:06
